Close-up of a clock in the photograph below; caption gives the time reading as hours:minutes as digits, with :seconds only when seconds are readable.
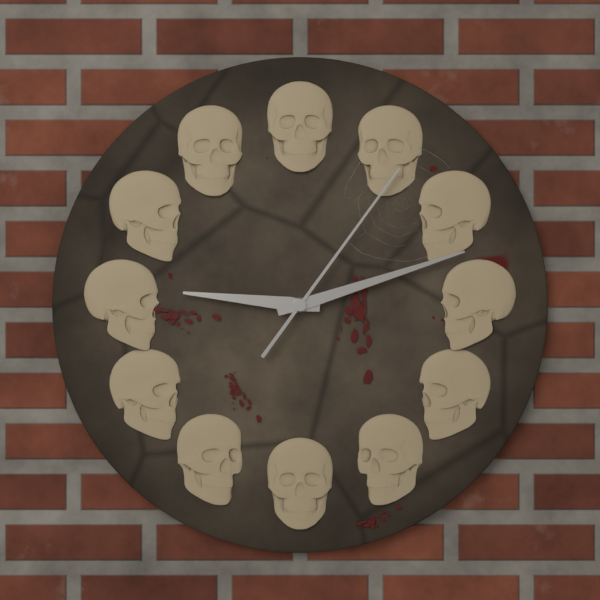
9:12:06
